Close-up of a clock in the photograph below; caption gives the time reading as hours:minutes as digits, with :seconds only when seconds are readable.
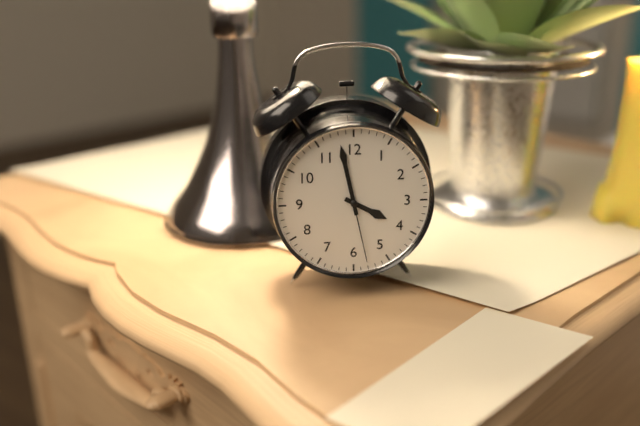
3:58:28
